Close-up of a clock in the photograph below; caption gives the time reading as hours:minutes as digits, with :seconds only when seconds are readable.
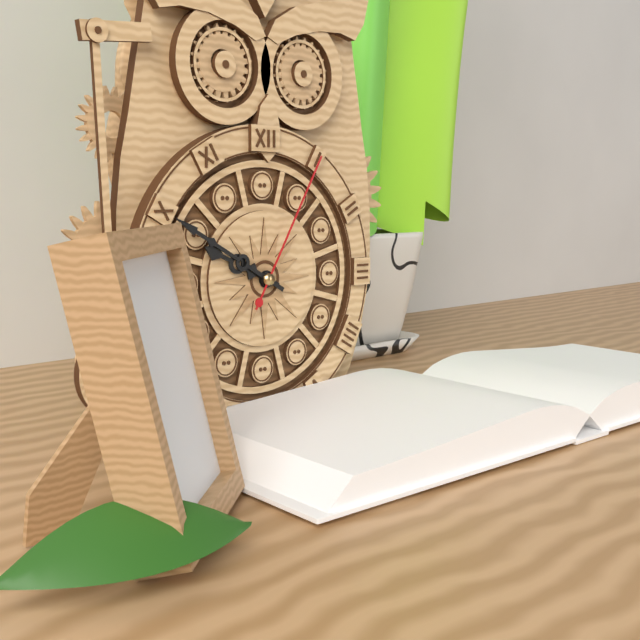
9:50:05
